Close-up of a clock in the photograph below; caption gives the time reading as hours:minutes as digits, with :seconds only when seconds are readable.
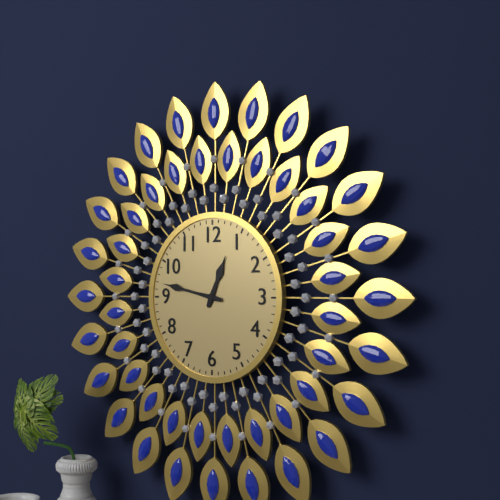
12:47
